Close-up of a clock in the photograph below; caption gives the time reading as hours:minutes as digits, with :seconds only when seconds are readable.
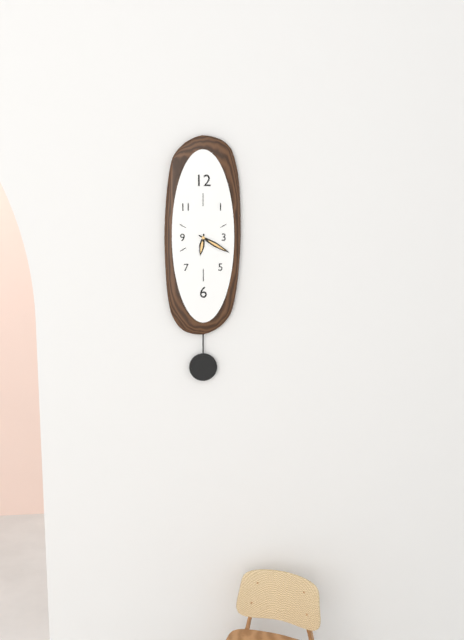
6:20
